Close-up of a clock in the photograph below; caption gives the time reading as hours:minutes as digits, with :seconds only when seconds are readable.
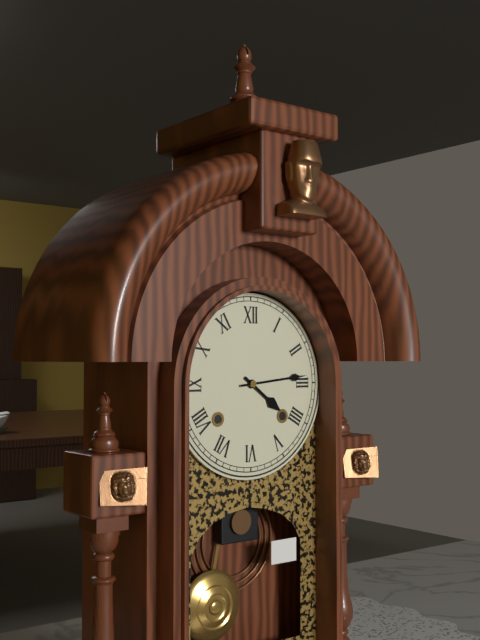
4:14
